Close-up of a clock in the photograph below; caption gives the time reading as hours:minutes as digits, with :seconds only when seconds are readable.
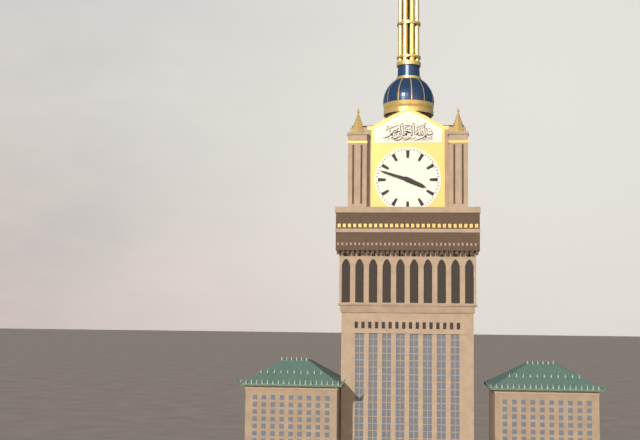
3:48
